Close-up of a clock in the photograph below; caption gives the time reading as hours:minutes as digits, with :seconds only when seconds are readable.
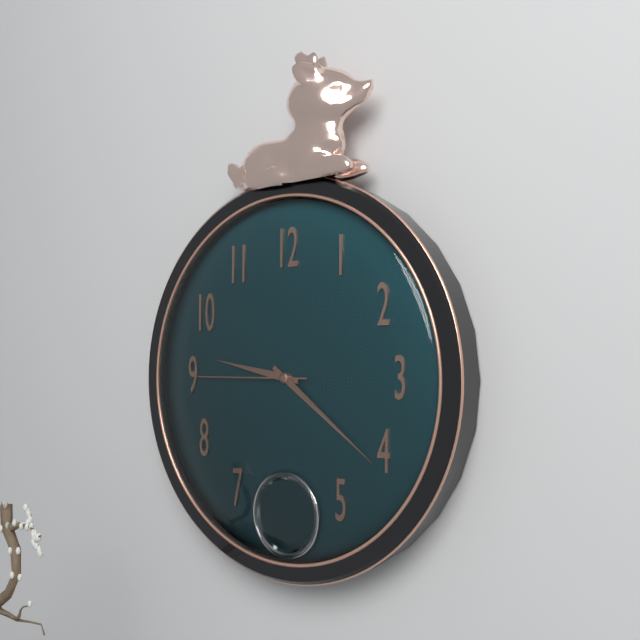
9:21:45
